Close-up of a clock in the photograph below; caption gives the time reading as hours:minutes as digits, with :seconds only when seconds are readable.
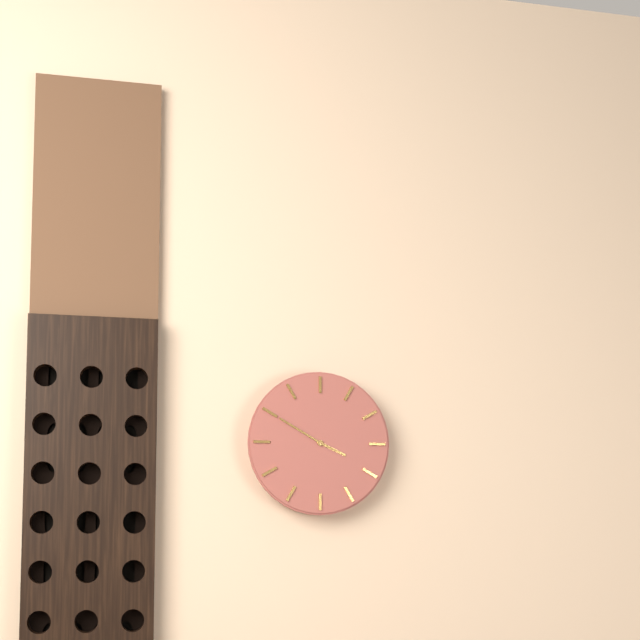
3:50
